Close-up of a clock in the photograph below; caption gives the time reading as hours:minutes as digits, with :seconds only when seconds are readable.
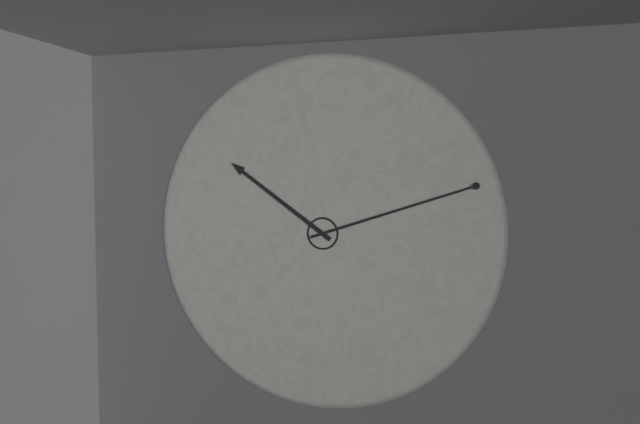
10:12
